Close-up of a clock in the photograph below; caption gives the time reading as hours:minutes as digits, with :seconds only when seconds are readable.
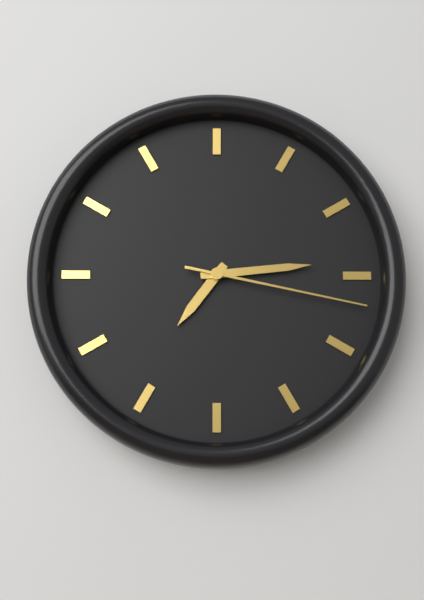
7:14:17
